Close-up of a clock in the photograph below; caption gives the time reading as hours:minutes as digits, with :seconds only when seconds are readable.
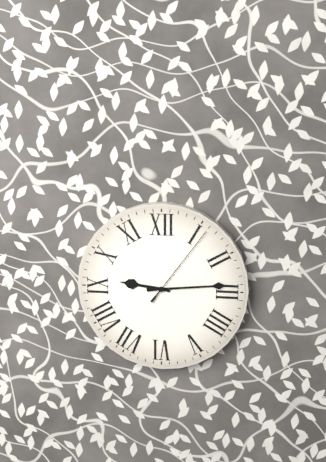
9:14:06
